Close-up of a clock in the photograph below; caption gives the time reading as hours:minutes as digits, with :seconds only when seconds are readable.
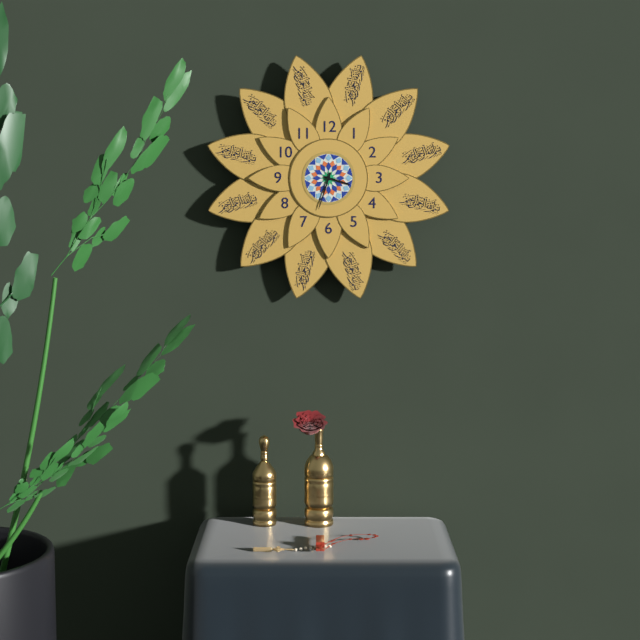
3:33
